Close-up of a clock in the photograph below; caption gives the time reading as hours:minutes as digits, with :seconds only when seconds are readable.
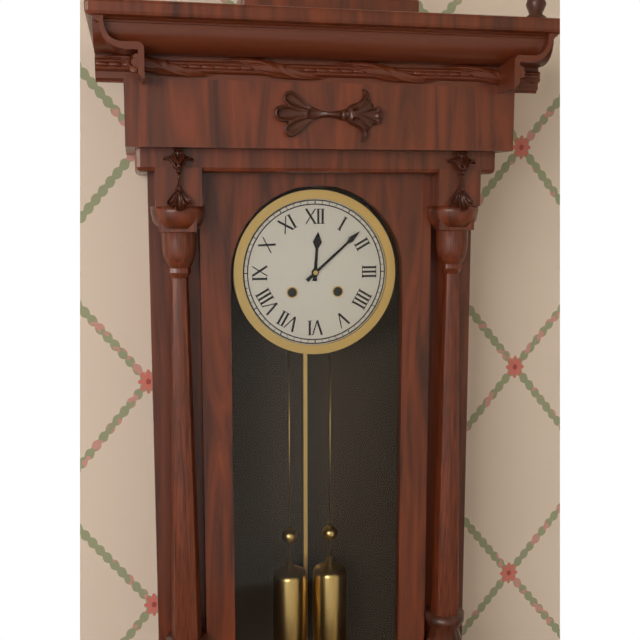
12:08
